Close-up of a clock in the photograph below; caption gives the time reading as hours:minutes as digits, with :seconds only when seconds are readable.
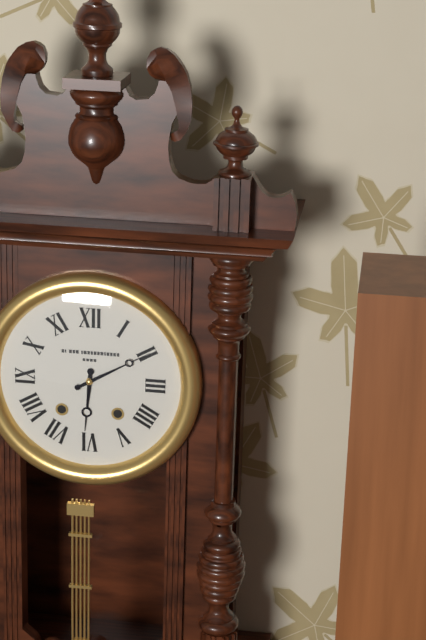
6:10
